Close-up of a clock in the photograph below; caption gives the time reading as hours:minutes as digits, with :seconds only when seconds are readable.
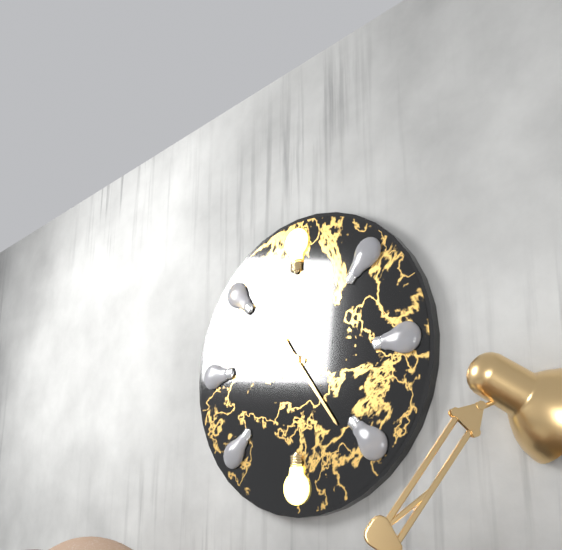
9:24
